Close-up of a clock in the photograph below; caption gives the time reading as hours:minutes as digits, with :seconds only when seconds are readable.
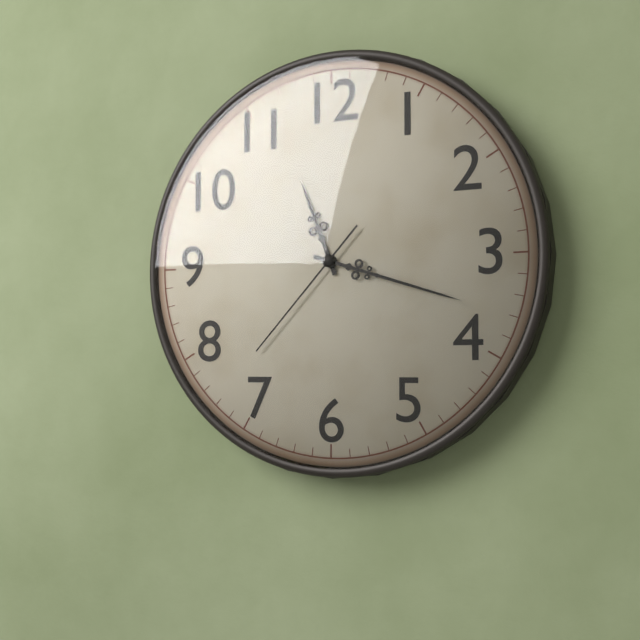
11:18:37
